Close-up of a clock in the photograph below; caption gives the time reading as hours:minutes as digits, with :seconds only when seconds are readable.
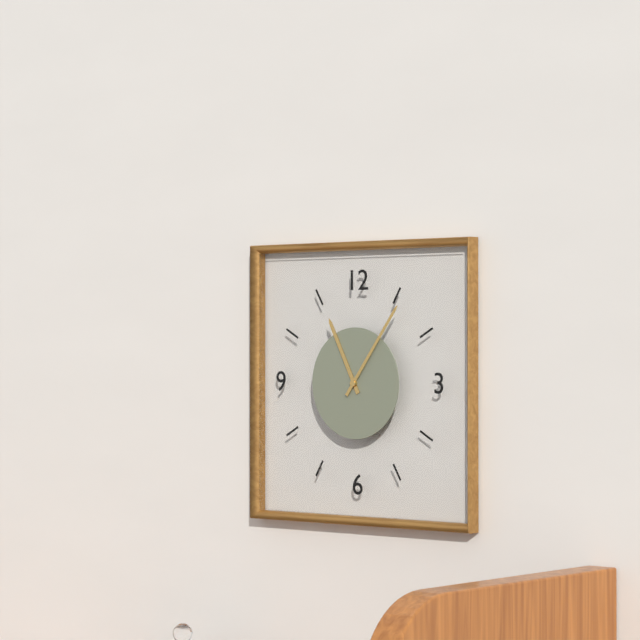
11:06
